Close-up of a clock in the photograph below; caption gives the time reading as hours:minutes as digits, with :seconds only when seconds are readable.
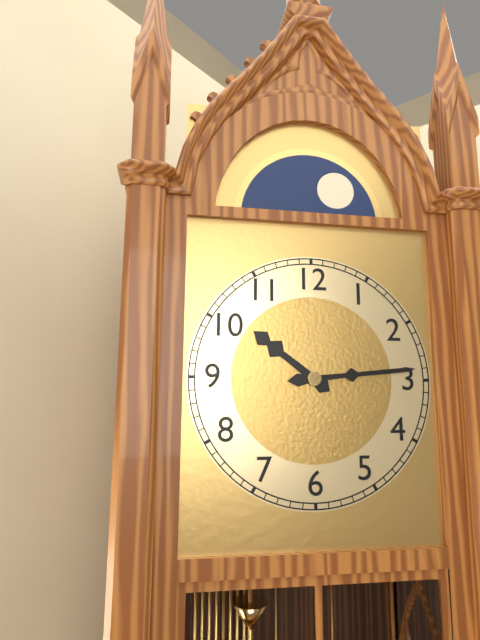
10:14
